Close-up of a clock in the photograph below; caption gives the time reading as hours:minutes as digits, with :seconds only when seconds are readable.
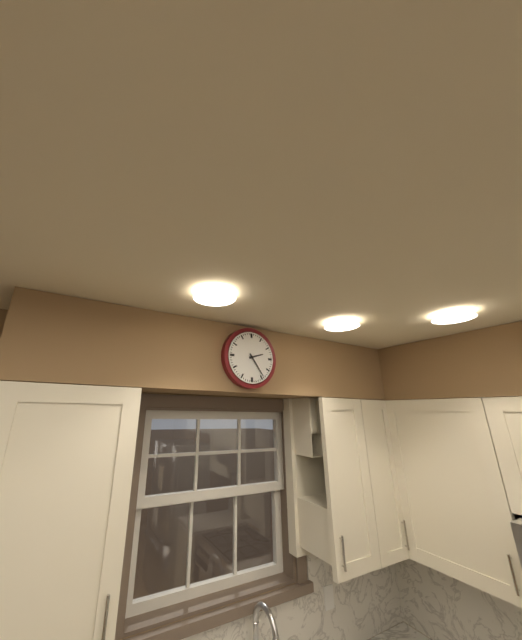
2:24
